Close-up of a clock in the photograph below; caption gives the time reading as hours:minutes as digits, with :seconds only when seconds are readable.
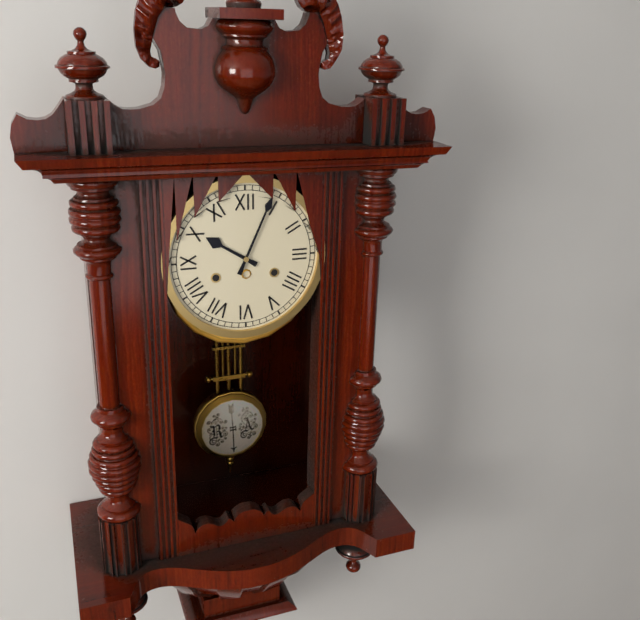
10:04
